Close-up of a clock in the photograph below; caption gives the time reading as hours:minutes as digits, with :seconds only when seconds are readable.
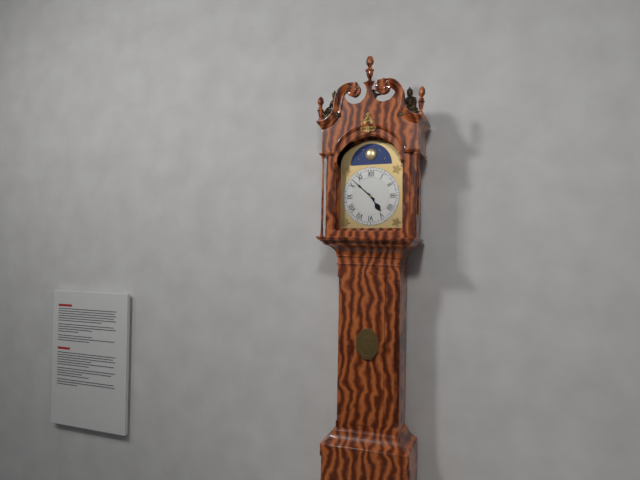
4:52
